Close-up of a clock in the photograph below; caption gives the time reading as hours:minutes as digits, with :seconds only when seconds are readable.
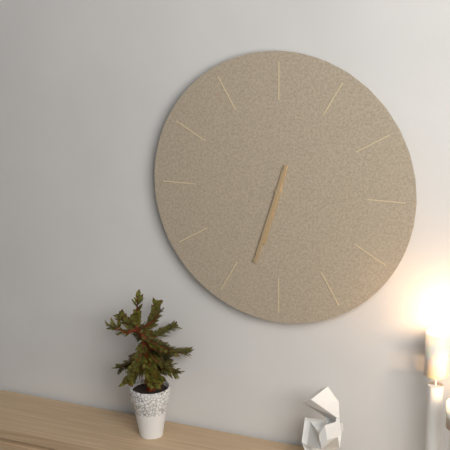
6:33
